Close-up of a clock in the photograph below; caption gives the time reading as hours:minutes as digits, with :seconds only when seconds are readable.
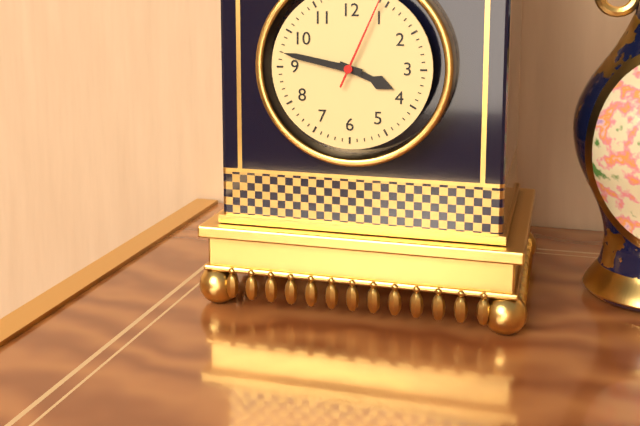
3:47:04
